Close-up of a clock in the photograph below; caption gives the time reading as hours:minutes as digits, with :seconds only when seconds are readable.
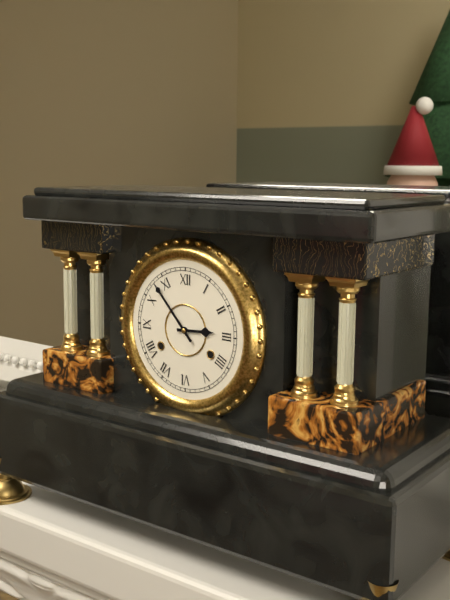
2:53
